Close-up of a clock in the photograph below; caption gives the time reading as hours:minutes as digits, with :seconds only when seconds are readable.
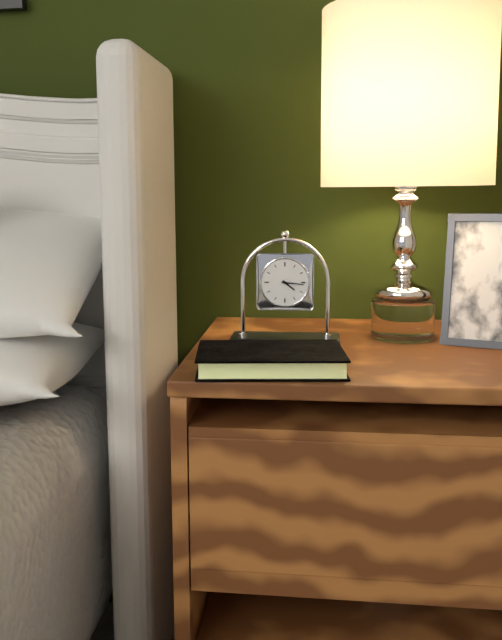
4:16
